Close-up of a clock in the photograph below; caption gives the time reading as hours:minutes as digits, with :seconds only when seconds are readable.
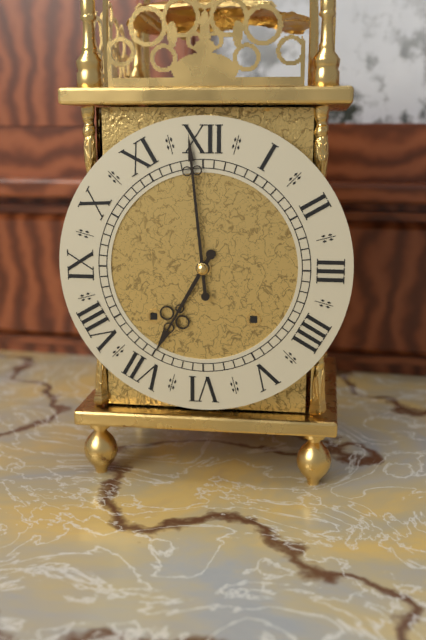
6:59
